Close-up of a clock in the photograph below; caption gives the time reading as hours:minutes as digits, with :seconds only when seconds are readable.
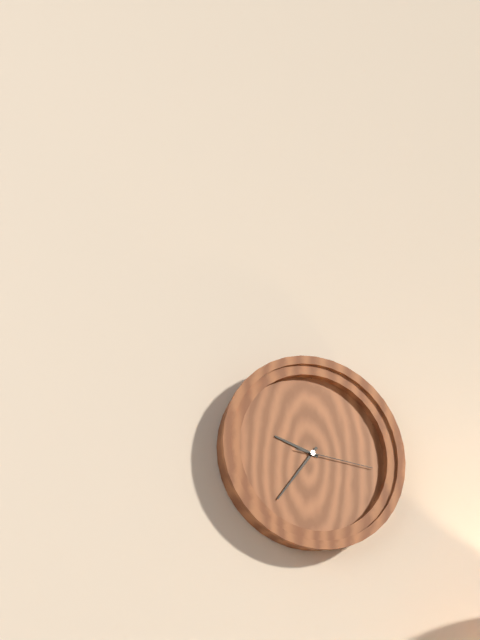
9:36:16
